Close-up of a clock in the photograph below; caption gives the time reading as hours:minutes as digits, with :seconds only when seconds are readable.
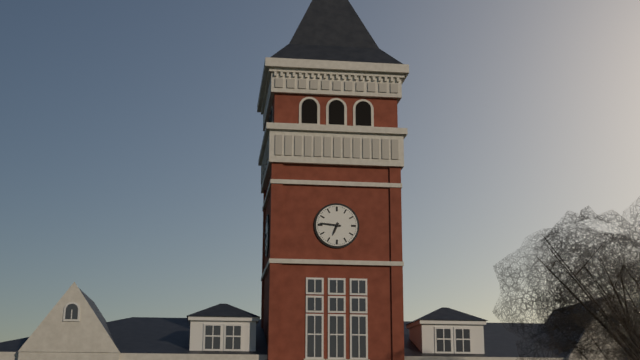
6:46
